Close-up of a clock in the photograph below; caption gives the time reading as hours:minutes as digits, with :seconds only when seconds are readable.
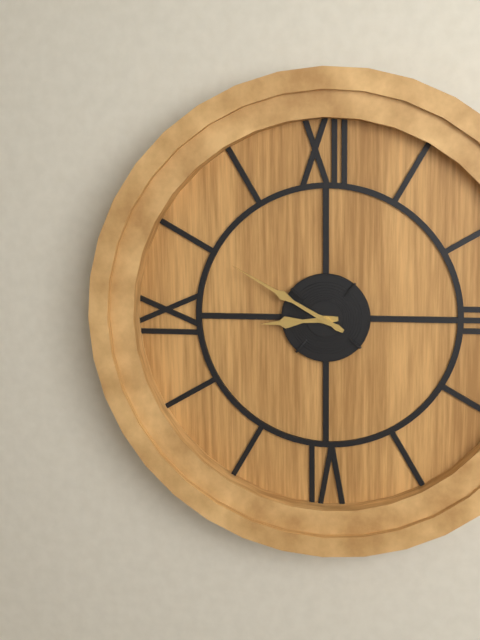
8:50
